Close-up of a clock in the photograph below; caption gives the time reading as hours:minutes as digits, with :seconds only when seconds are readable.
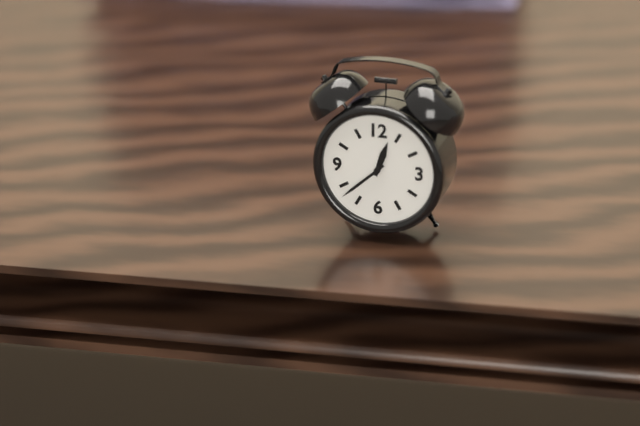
12:38
